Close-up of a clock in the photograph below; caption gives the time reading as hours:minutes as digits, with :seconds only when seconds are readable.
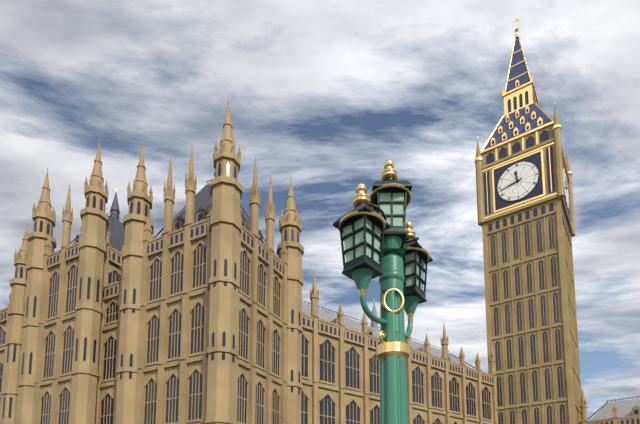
11:43
